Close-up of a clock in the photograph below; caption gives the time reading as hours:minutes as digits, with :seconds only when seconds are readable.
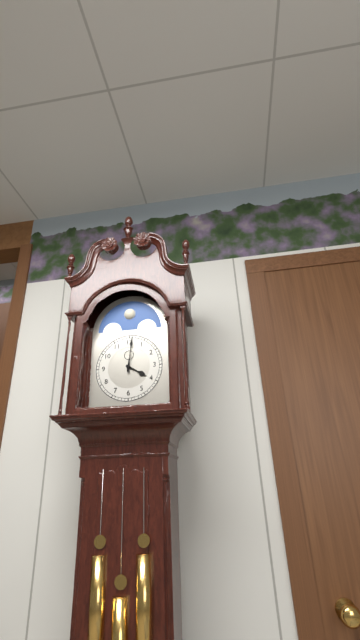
4:01
